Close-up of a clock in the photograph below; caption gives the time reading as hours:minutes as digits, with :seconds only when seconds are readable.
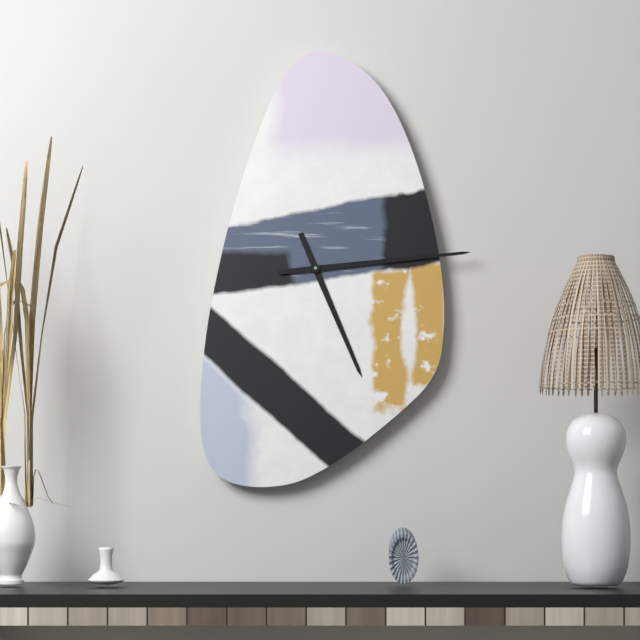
5:14
